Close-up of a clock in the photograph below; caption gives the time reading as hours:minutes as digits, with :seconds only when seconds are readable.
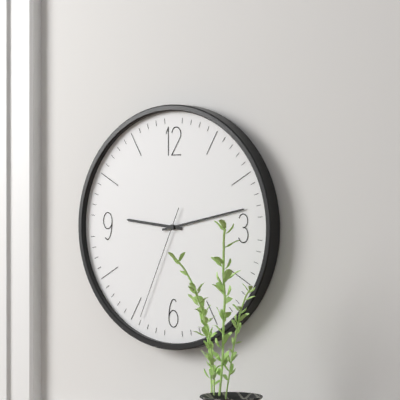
9:13:34
